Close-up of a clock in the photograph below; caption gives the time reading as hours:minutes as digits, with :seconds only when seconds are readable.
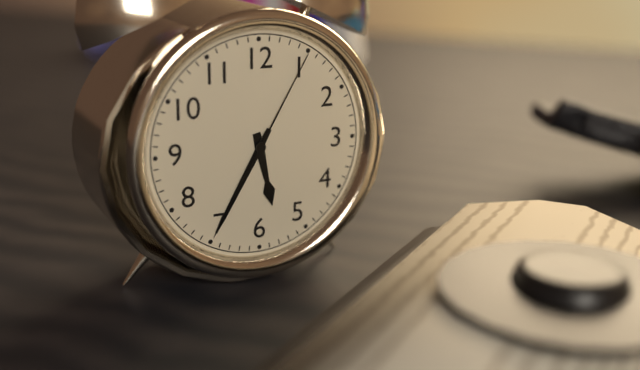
5:35:05
